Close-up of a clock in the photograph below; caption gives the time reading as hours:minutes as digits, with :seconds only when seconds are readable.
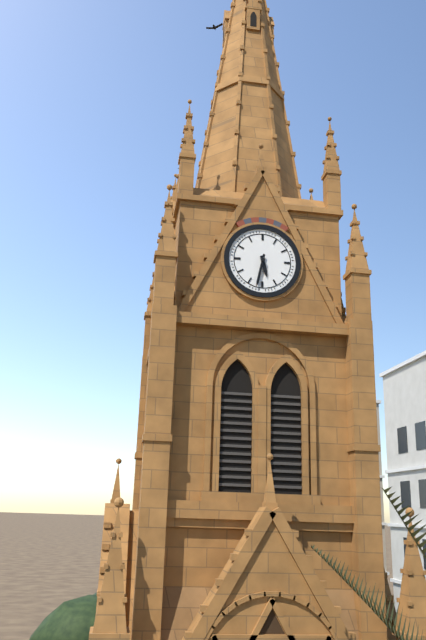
5:32
